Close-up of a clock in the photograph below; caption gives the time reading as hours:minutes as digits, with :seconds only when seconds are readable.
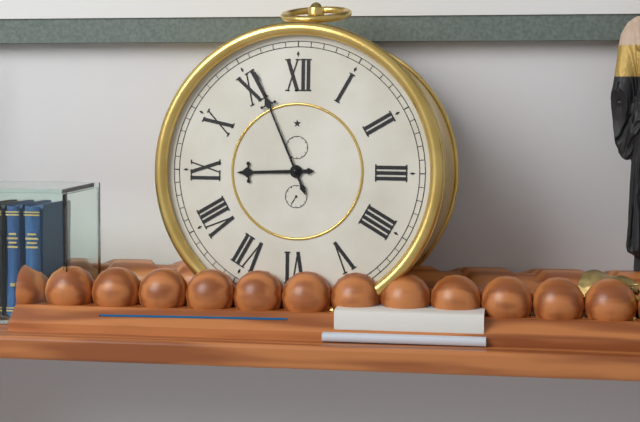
8:56
